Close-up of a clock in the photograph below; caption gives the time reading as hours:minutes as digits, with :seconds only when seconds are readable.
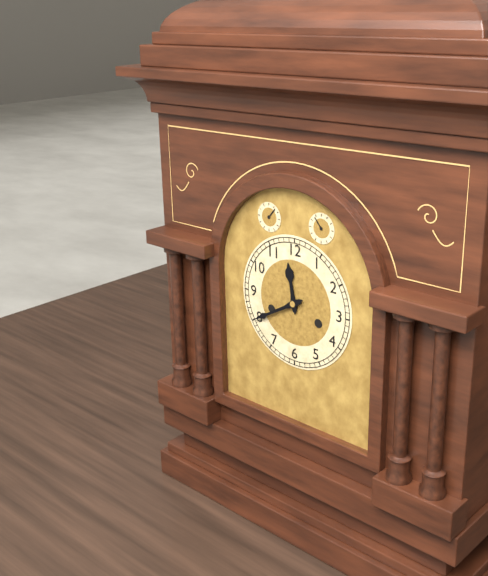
11:40
